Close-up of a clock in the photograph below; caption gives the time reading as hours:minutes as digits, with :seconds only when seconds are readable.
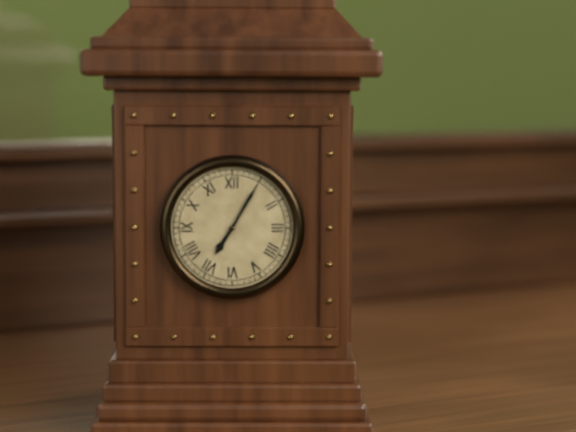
7:05
